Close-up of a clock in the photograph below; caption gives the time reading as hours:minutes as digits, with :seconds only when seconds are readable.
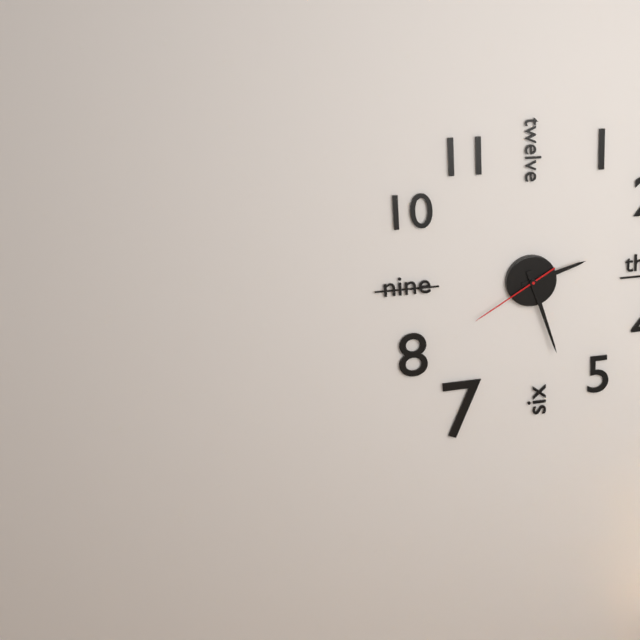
2:27:40
